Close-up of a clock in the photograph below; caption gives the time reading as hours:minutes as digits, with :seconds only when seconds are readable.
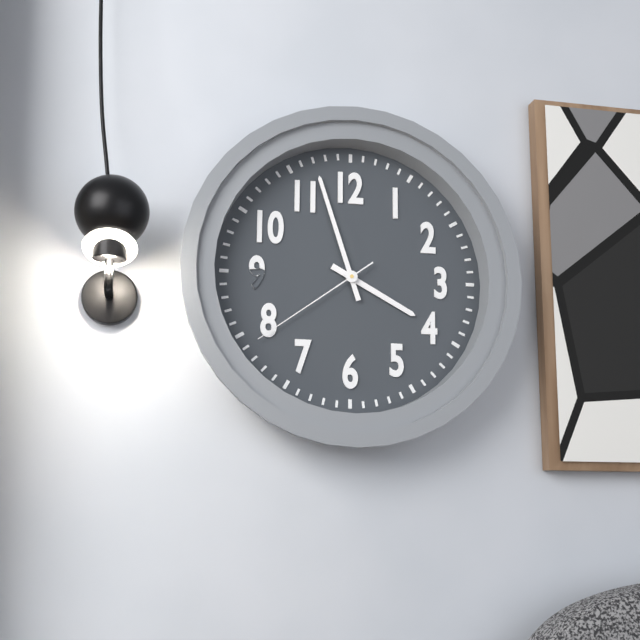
3:57:39
